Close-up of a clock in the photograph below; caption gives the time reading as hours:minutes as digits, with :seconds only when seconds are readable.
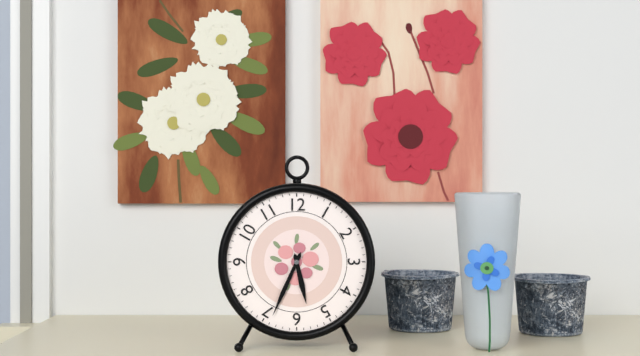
5:34
